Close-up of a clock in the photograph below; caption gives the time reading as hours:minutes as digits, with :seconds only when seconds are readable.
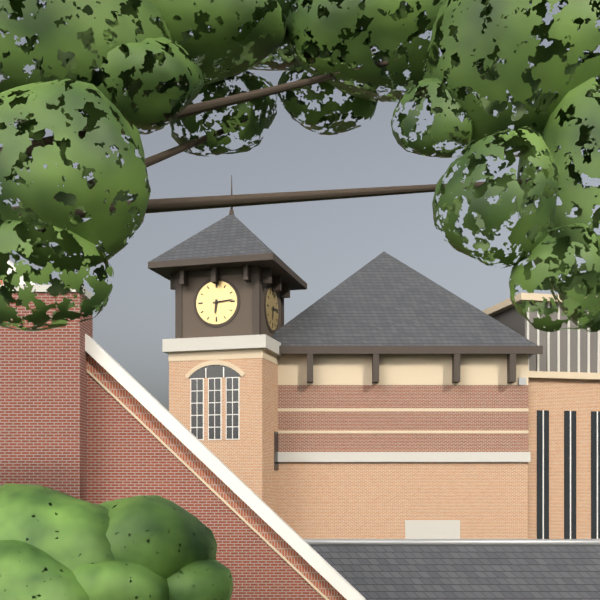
6:14
